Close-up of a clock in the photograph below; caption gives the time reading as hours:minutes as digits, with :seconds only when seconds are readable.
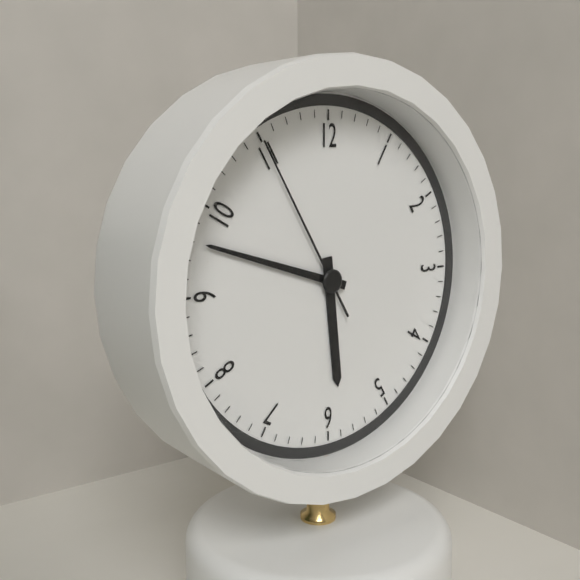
5:48:55
